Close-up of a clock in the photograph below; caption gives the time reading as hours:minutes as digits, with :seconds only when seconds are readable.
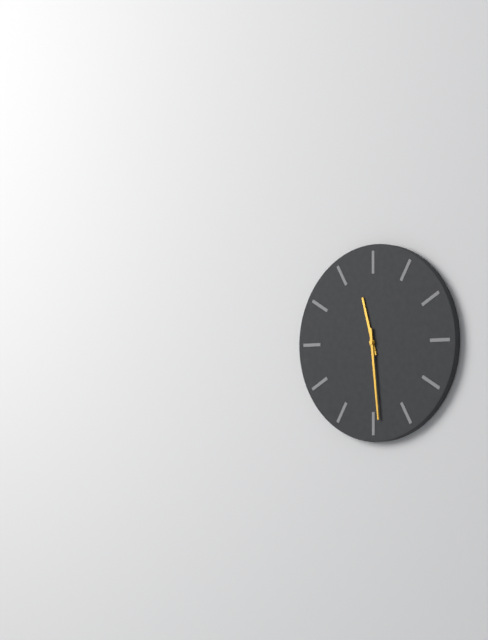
11:29
